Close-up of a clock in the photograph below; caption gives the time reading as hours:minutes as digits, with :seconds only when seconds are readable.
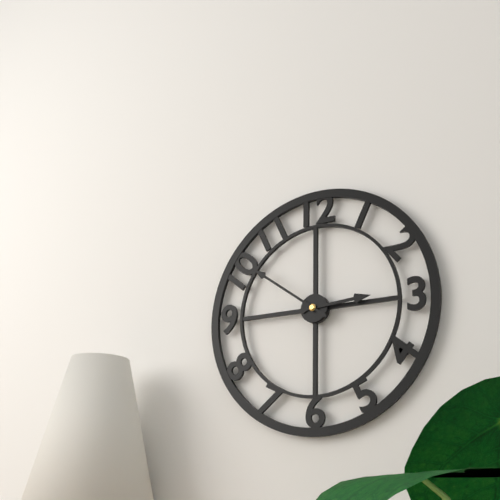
2:51
